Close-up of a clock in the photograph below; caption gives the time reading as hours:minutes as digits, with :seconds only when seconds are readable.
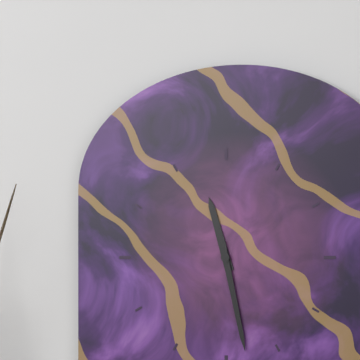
11:28
